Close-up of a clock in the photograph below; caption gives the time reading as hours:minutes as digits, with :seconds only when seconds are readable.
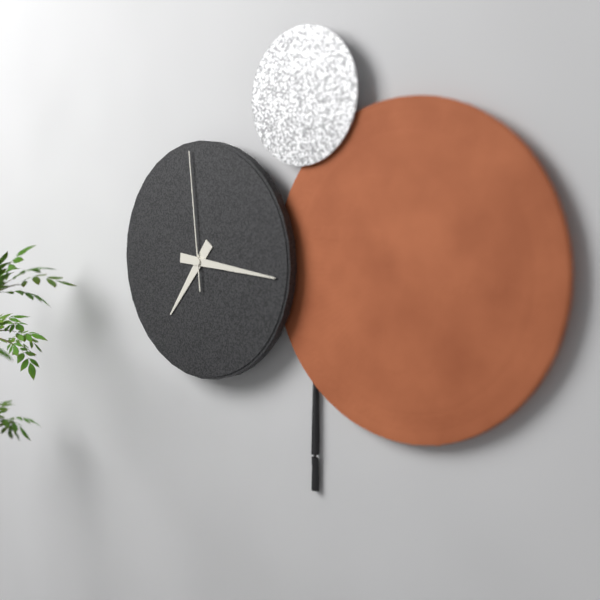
7:16:59
